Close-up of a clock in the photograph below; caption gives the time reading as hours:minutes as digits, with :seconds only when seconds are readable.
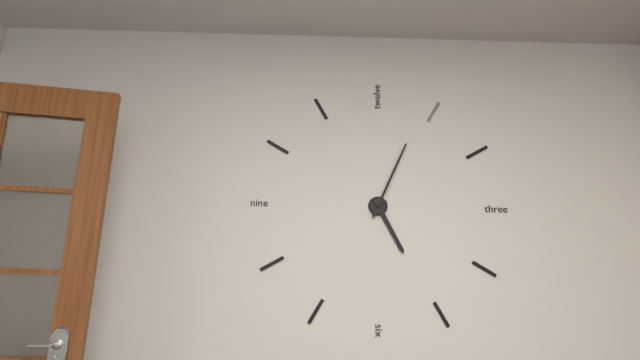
5:04
